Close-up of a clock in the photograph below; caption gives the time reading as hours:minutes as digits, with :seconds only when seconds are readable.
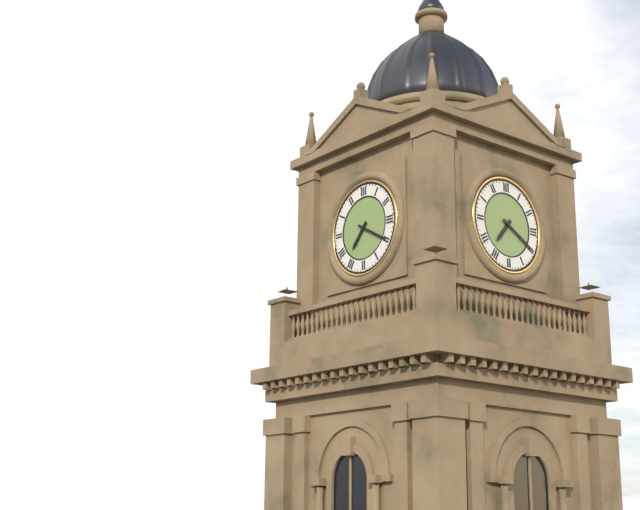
7:20
